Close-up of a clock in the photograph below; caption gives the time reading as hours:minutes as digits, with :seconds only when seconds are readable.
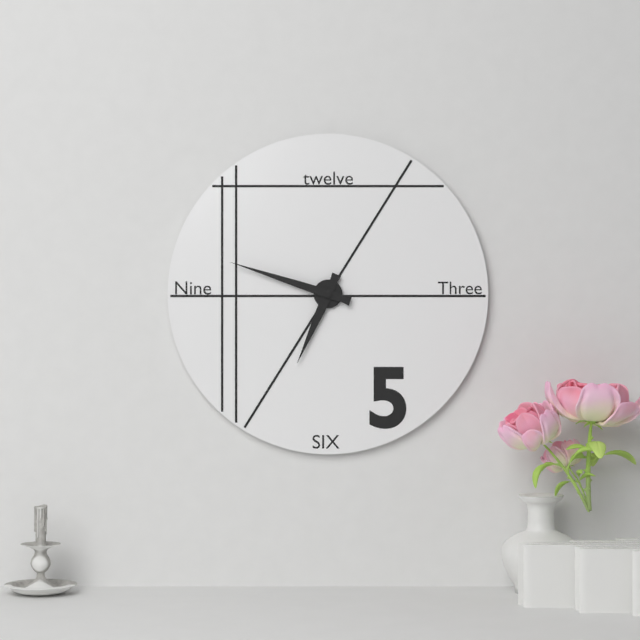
6:48
